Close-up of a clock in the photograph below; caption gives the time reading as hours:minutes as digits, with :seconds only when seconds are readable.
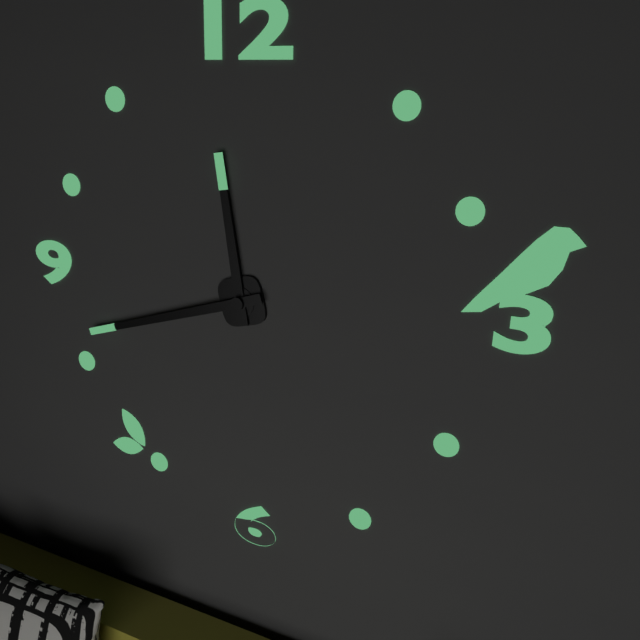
11:42
